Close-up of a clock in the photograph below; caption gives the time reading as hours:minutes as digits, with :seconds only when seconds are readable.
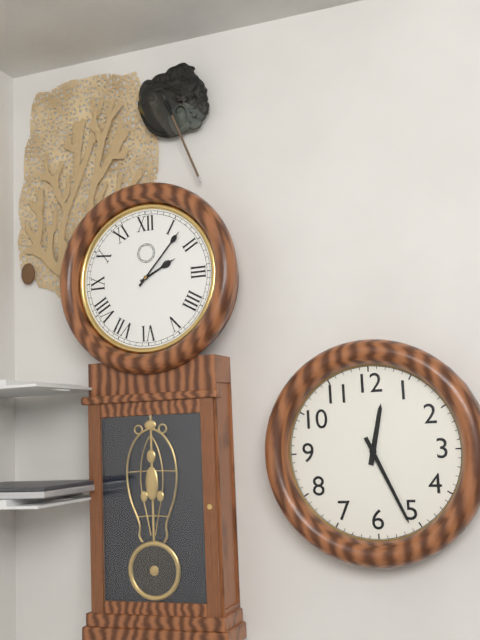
2:07
